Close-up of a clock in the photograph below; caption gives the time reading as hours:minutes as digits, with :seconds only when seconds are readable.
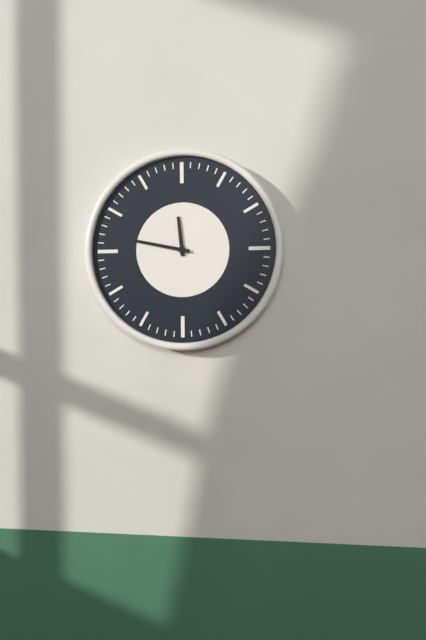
11:47
